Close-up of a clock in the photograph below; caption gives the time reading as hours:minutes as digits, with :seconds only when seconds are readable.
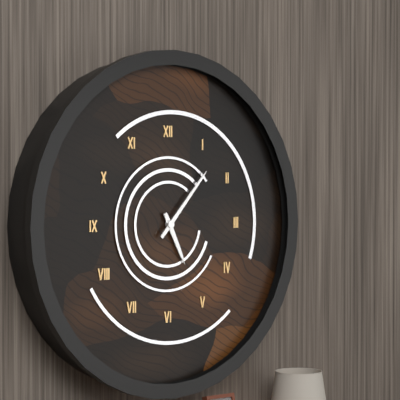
5:07
